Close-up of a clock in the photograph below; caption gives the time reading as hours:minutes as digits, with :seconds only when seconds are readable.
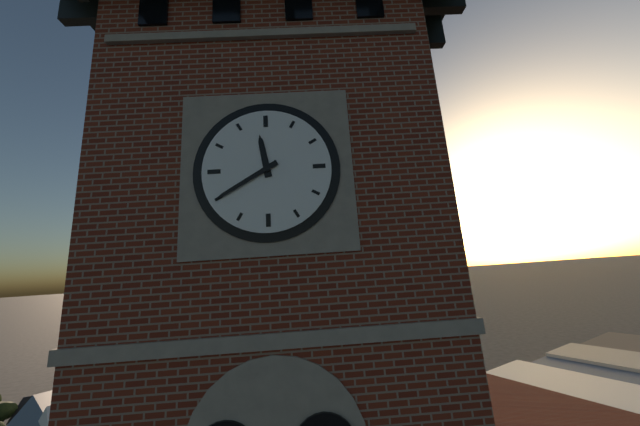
11:40
